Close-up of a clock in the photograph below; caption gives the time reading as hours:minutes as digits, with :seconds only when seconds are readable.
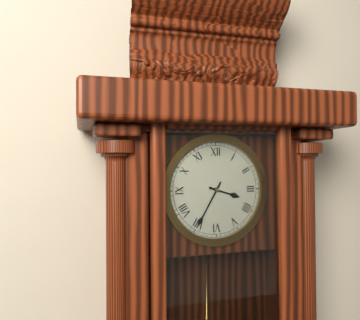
3:35
